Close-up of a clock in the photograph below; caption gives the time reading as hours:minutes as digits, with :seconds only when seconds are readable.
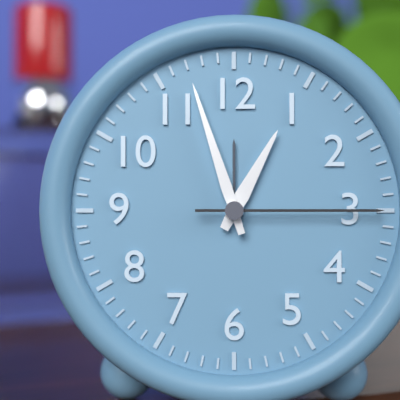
12:57:15
